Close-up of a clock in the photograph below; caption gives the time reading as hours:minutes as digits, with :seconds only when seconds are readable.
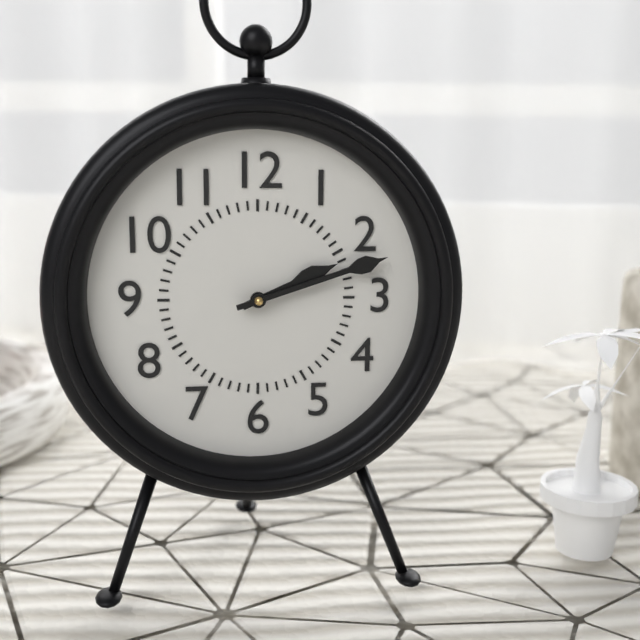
2:12
